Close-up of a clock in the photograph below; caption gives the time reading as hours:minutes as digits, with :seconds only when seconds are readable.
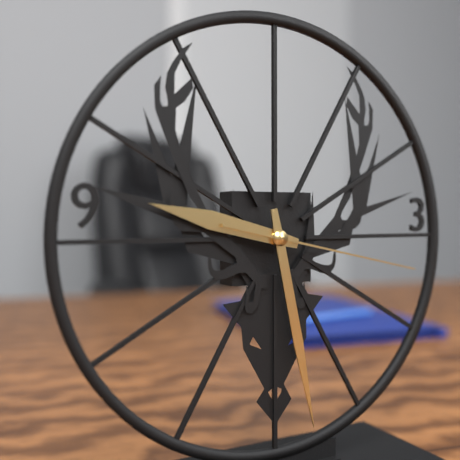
9:28:17
